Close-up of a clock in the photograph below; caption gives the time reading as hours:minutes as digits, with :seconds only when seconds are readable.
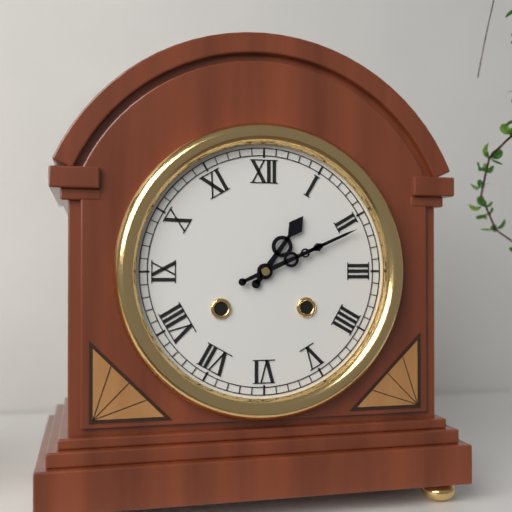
1:11
